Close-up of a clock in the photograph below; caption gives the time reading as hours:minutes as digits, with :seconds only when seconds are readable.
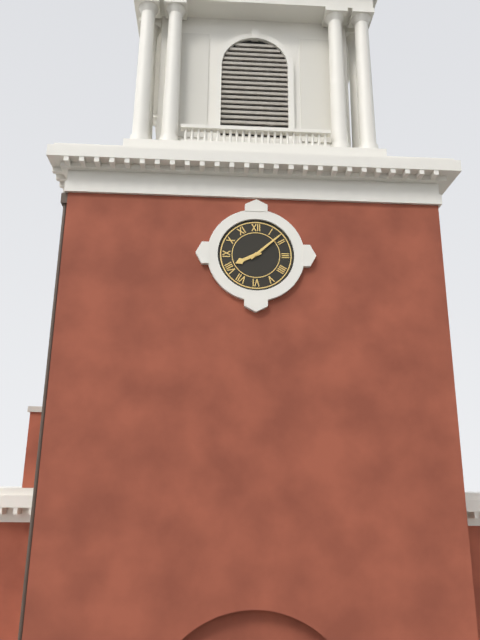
8:08
